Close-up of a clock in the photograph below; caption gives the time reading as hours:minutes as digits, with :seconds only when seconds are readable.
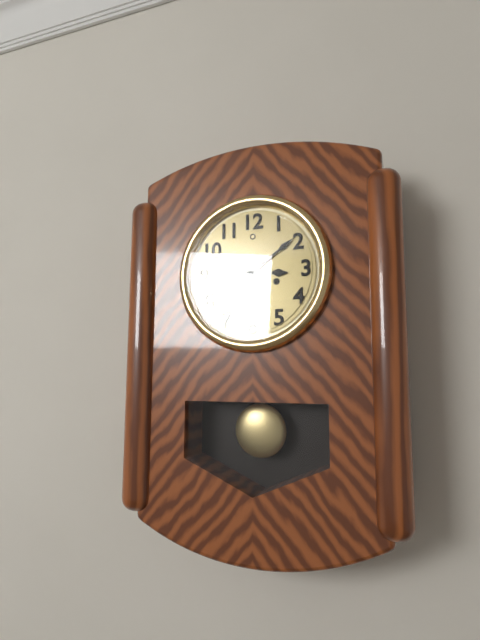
3:09
